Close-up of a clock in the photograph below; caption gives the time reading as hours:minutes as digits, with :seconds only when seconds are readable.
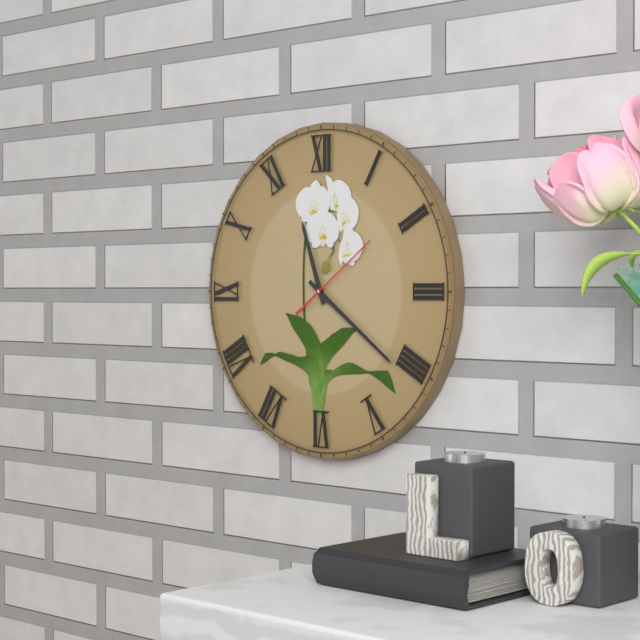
11:21:09
